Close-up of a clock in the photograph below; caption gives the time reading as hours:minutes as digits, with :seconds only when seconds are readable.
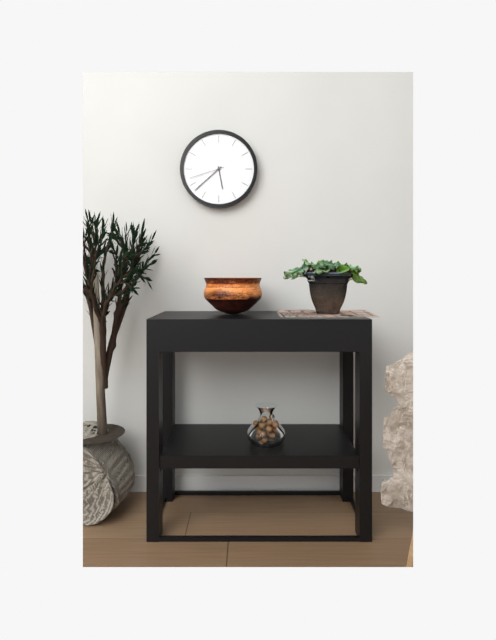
5:38
